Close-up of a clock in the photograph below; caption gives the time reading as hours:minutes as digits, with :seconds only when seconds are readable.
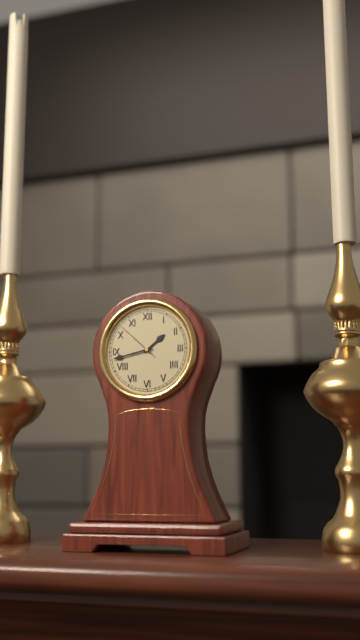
1:43:52
